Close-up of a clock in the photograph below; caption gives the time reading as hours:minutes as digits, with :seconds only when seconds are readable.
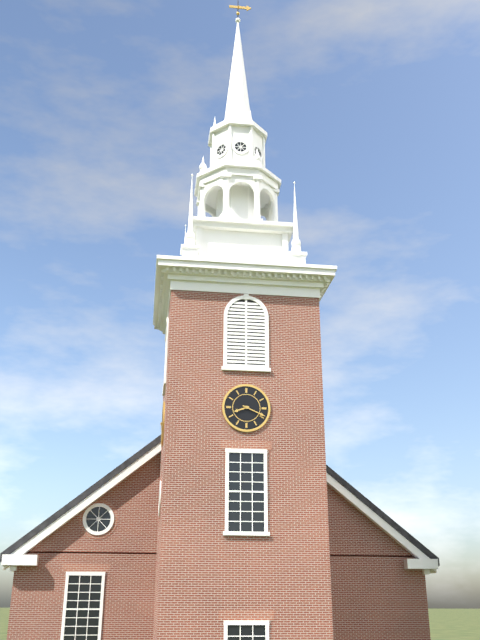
8:19
